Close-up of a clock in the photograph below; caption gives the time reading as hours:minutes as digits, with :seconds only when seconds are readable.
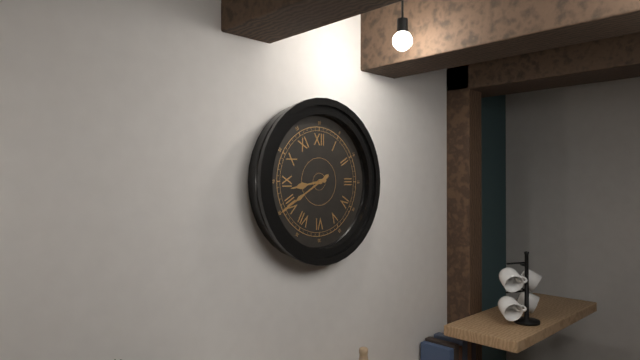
8:40
